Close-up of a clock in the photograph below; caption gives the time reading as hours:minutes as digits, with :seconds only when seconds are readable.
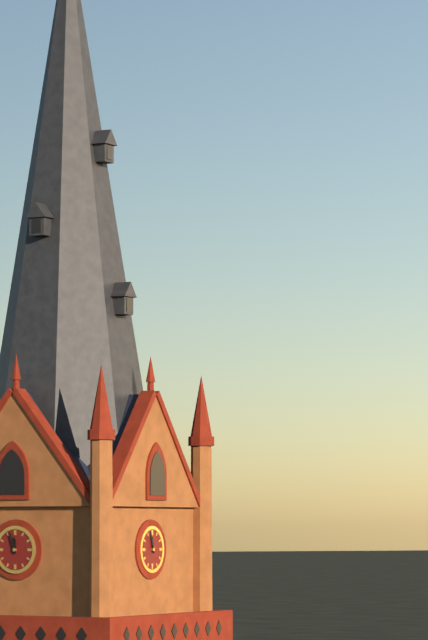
11:57
